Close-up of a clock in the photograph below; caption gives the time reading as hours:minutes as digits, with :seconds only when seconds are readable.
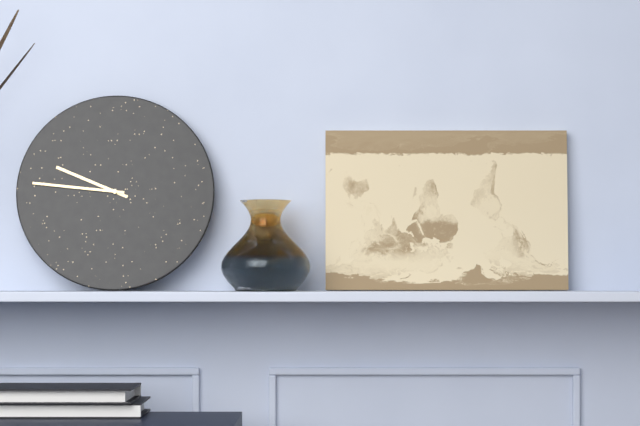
9:46
